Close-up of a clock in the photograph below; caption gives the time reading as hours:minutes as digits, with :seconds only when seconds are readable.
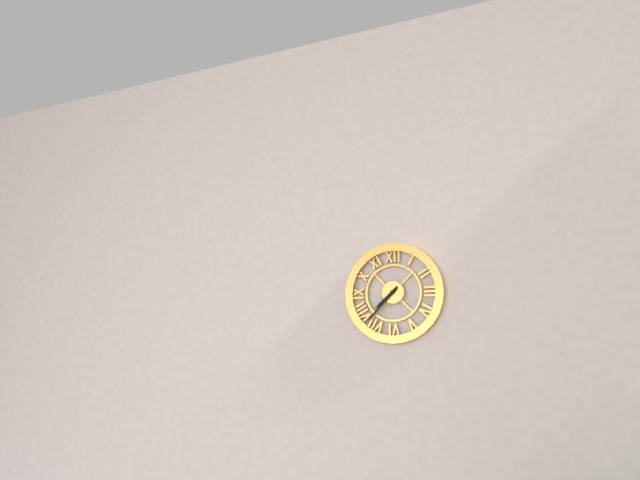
7:37
